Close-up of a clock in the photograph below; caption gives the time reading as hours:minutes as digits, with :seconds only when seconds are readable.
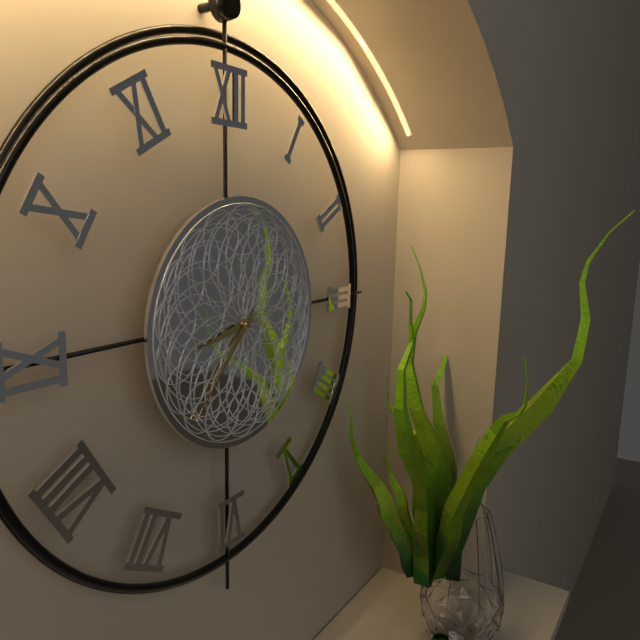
8:37
